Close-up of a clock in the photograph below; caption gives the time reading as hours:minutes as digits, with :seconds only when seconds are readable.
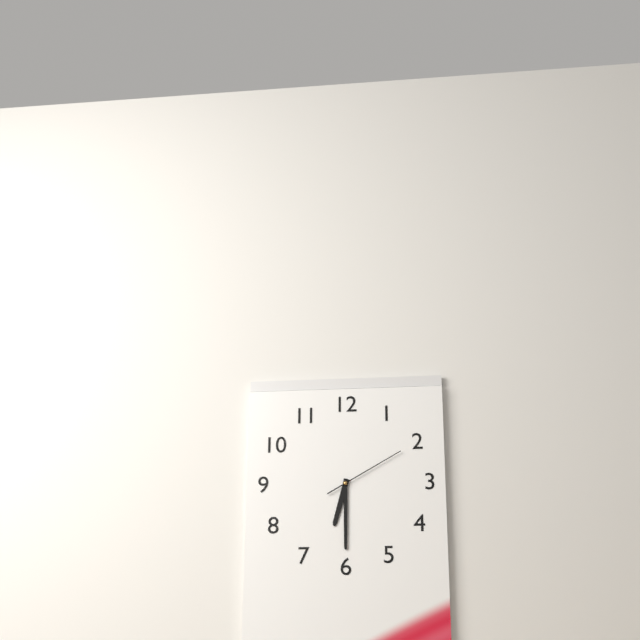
6:30:10
